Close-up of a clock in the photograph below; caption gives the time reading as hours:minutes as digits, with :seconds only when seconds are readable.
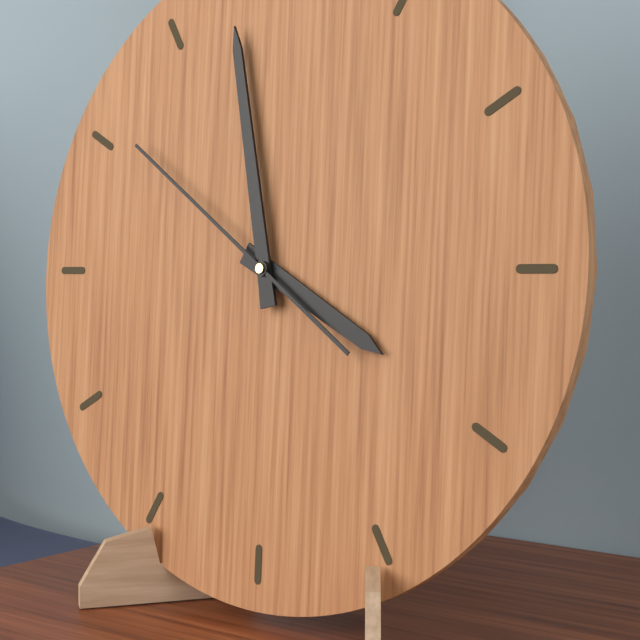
3:58:51
